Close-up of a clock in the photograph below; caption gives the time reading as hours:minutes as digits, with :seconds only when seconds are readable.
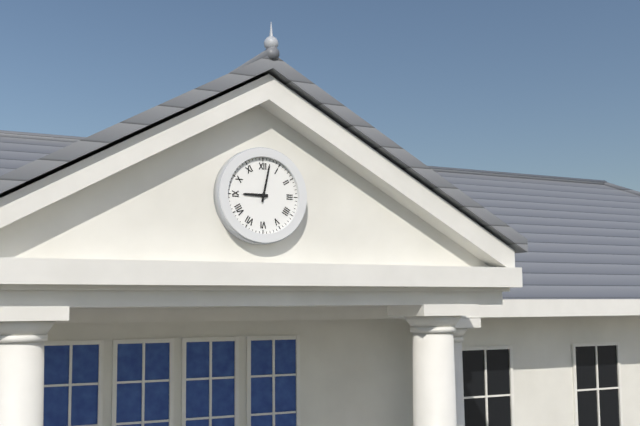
9:02
